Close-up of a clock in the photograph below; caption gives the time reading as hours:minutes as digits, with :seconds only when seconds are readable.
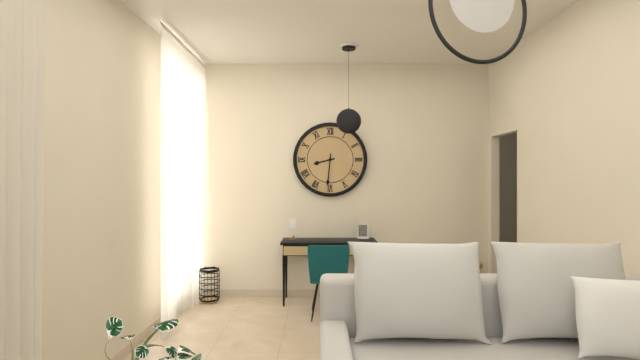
8:31
